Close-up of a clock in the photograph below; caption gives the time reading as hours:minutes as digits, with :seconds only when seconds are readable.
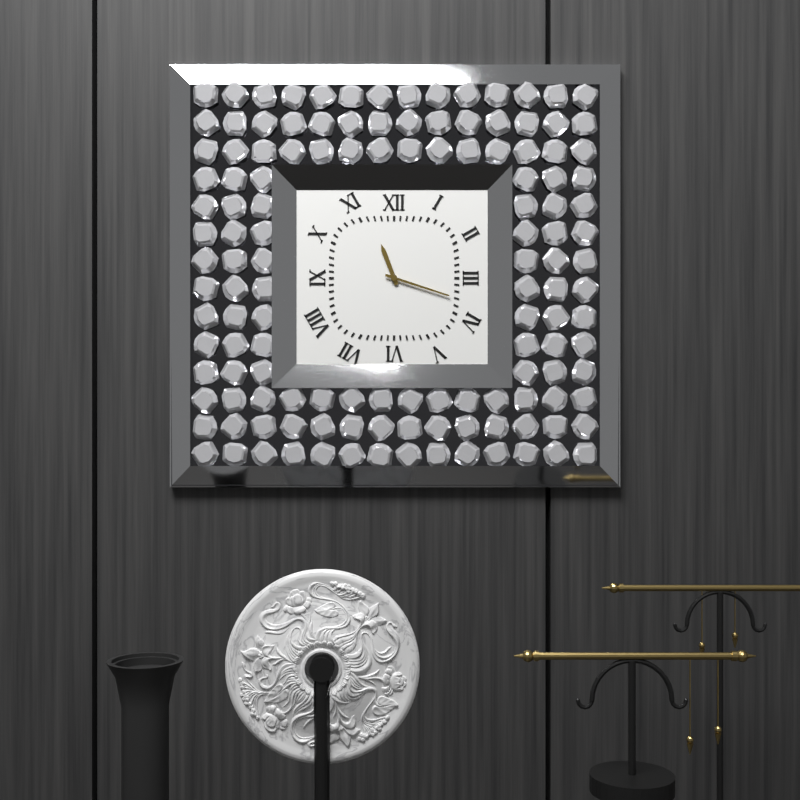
11:18
